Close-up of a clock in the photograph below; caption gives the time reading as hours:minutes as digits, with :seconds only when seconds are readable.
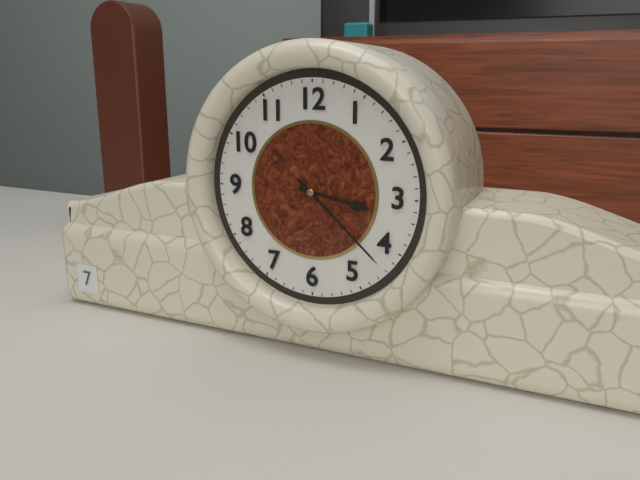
3:22
